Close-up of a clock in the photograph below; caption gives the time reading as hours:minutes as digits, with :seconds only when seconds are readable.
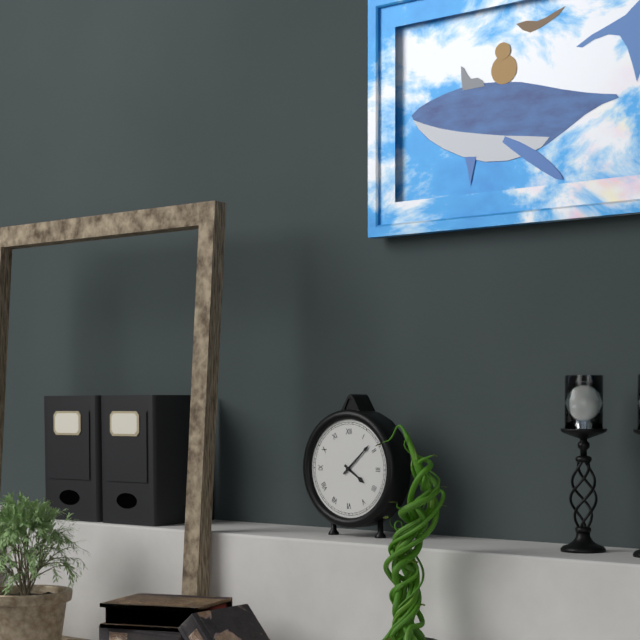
4:08
